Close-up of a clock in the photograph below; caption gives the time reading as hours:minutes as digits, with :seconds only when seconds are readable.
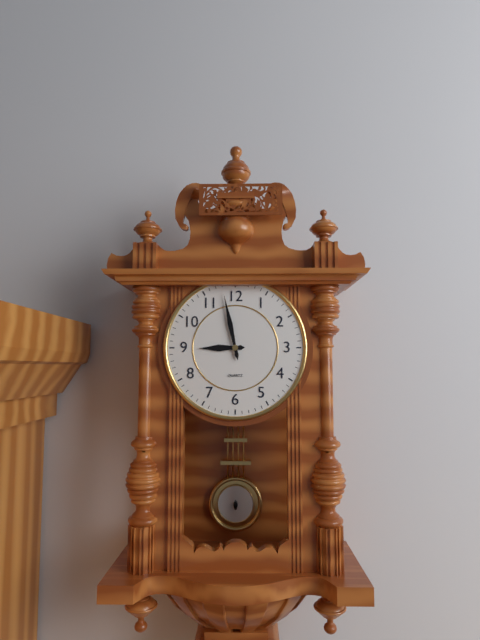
8:58
